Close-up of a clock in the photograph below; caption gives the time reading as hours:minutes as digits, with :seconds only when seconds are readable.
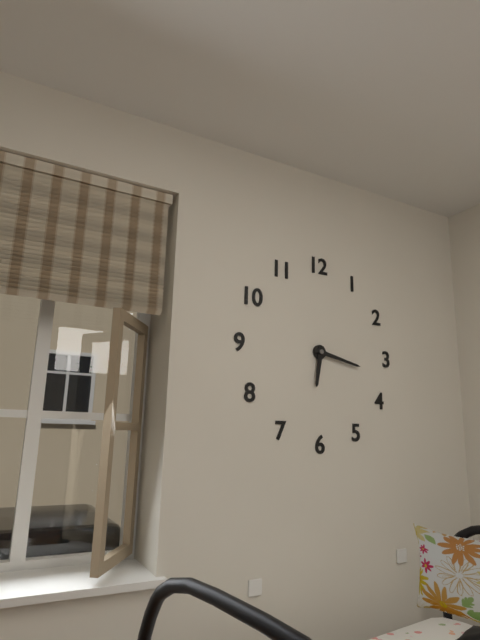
6:17
